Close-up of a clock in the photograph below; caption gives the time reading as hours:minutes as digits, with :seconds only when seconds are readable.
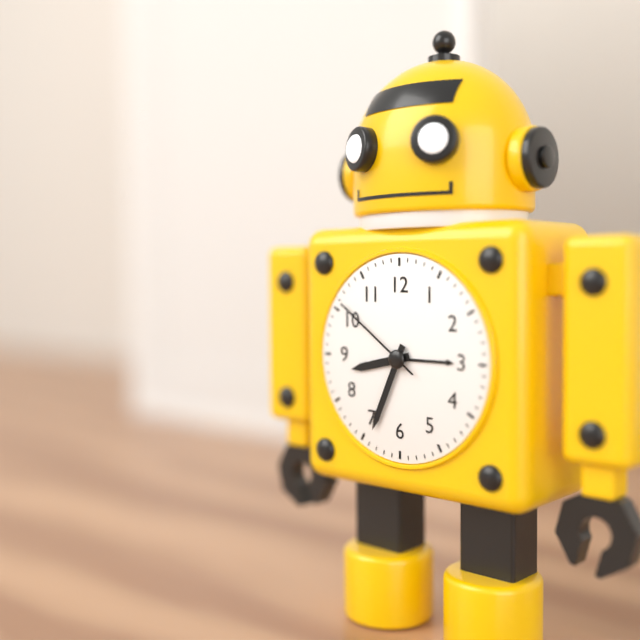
8:34:51
